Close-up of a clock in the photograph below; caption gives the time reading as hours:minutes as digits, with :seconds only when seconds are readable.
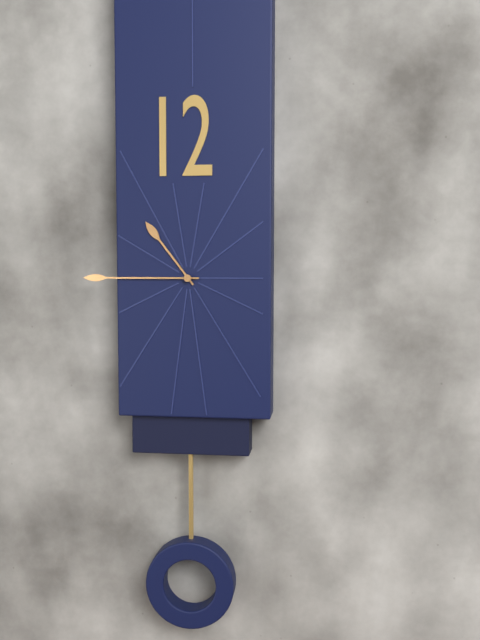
10:45
